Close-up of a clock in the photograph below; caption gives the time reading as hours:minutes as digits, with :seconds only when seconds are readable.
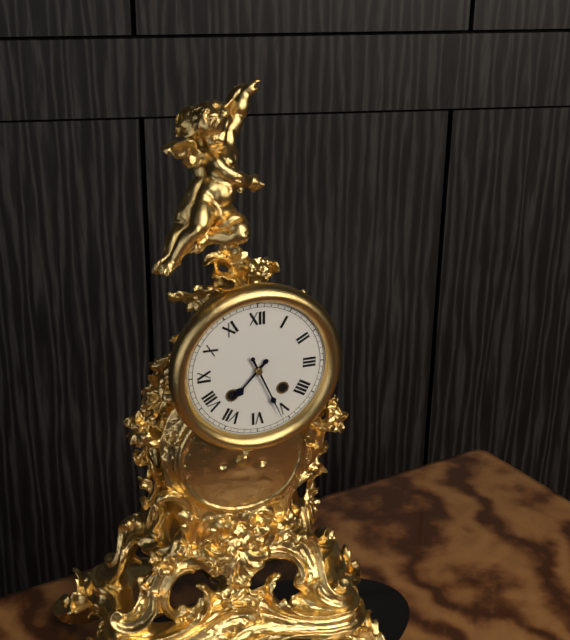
7:26
